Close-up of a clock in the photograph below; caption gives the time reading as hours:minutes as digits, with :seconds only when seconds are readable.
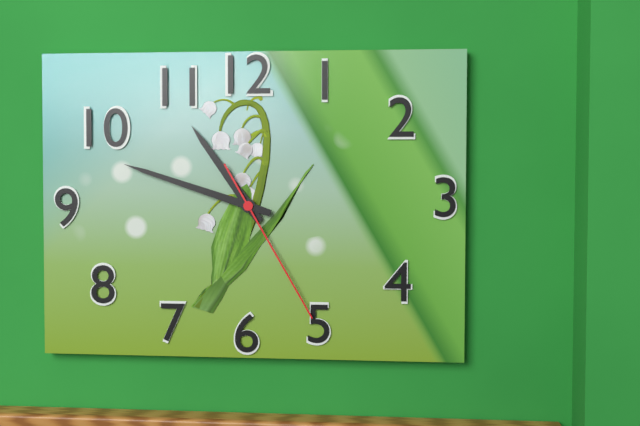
10:48:25
